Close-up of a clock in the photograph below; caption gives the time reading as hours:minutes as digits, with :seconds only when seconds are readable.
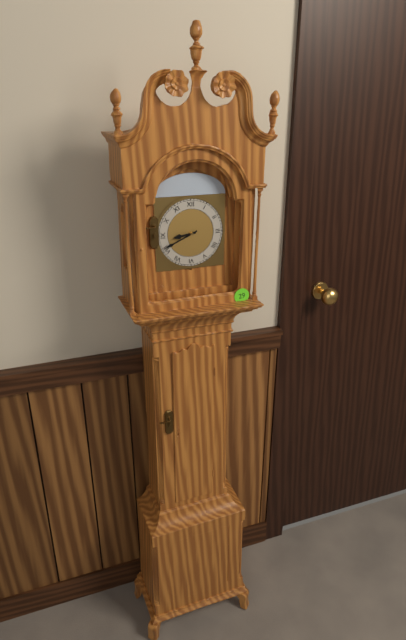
8:41
